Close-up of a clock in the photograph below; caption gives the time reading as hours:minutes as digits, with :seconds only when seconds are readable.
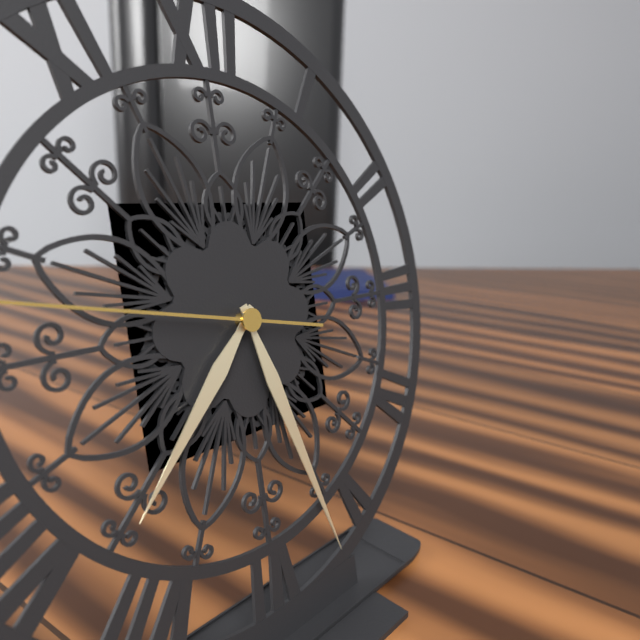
7:27
